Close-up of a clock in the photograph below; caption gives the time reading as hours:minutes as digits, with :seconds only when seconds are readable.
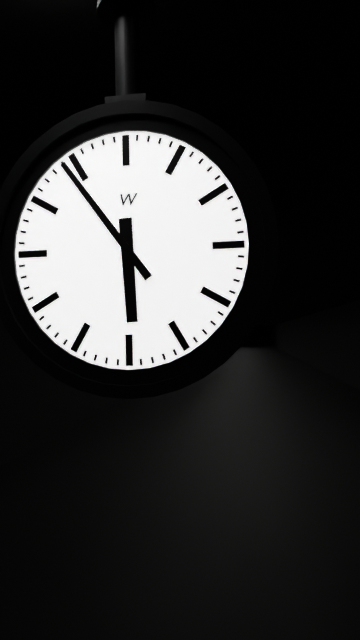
5:54
